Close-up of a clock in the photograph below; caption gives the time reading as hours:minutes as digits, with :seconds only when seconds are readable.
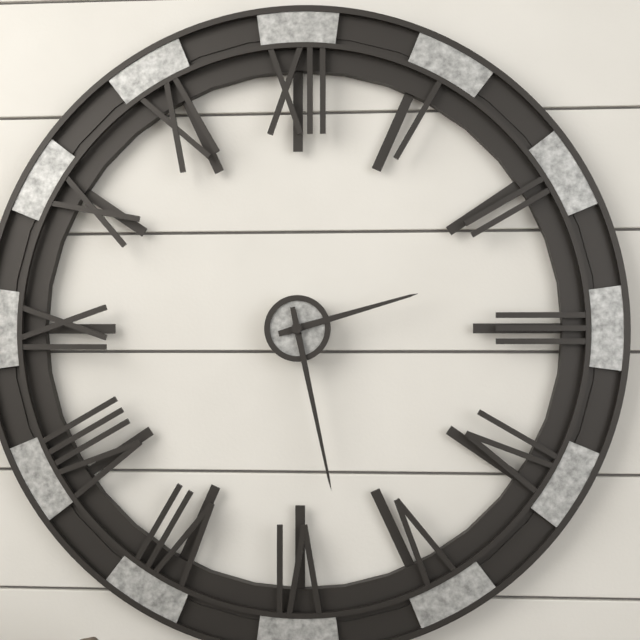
2:28
